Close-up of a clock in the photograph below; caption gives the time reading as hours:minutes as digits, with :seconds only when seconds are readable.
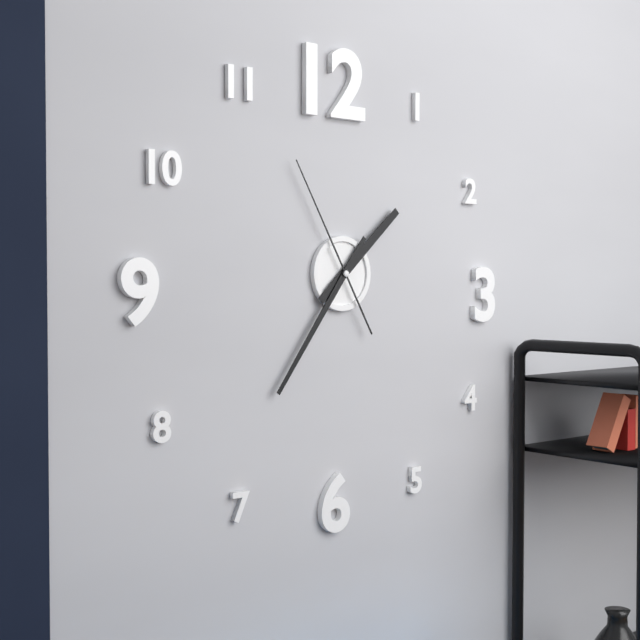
1:36:55
